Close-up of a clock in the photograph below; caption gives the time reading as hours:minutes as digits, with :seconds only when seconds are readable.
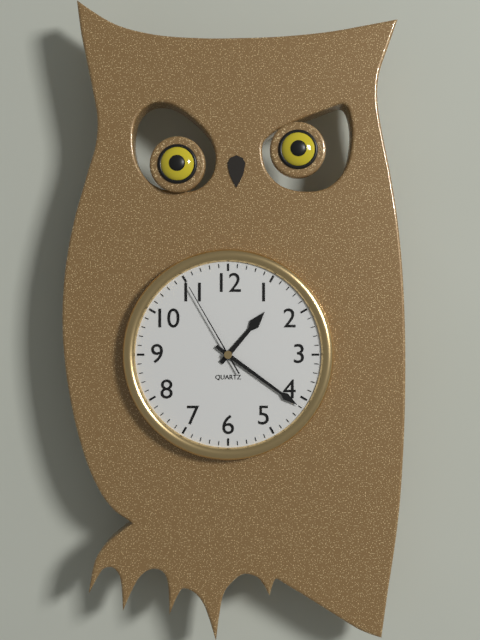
1:21:55
